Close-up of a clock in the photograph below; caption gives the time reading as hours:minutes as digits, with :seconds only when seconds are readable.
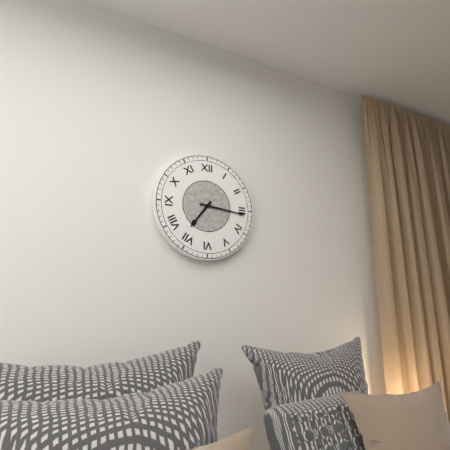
7:16
